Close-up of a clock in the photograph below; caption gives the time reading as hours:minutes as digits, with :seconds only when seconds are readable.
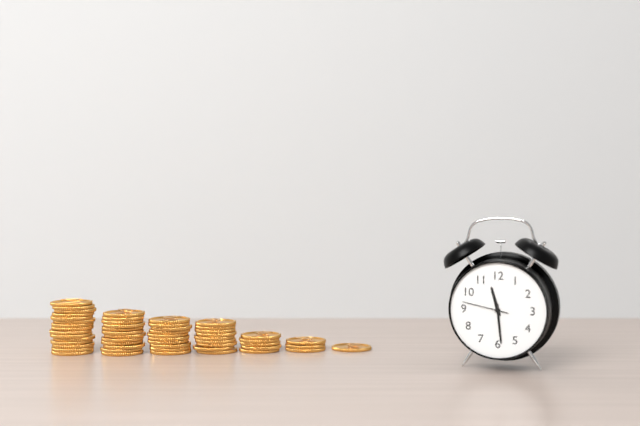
11:29
